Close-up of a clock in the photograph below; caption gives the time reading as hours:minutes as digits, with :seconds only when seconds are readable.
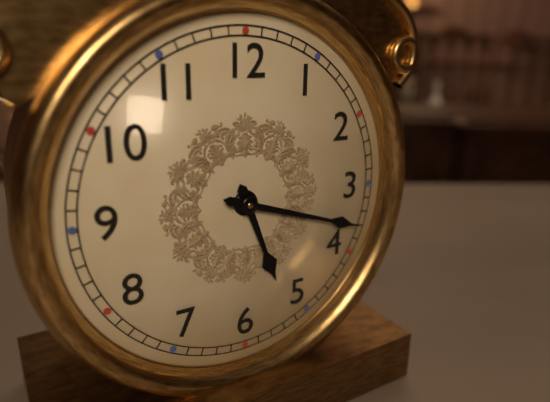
5:18
